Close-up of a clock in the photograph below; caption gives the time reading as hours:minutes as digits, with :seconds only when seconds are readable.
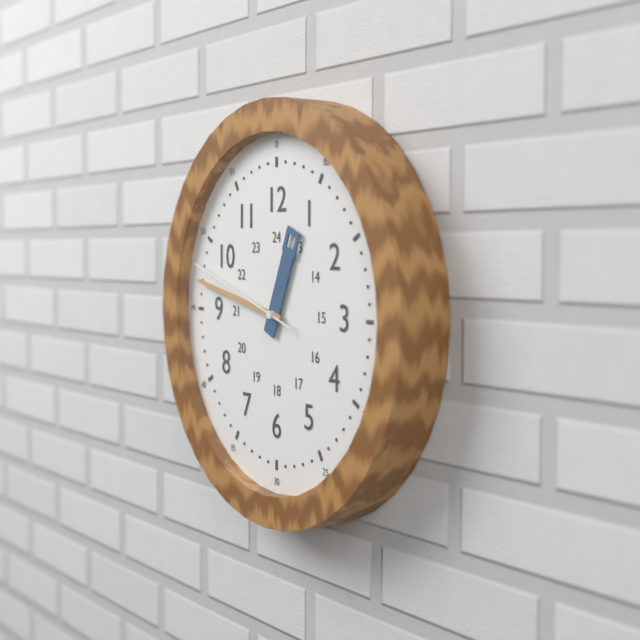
12:47:48
